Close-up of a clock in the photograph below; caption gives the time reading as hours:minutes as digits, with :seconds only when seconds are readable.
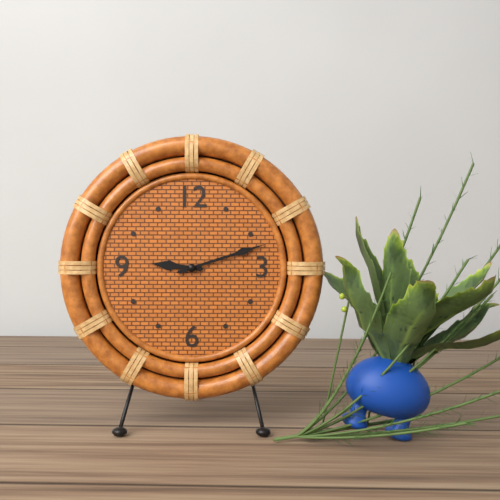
9:12
